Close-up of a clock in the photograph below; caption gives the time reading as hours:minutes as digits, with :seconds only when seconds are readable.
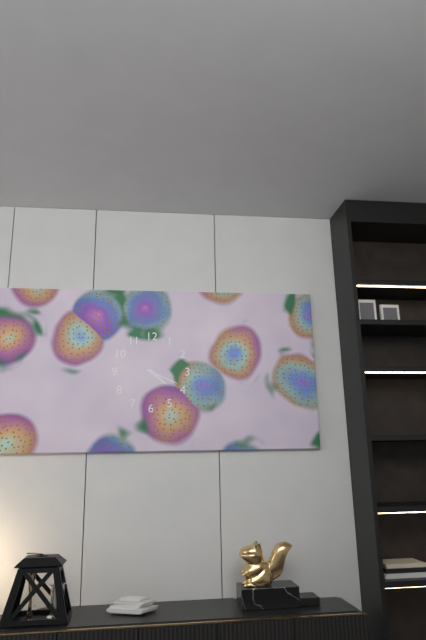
4:19
